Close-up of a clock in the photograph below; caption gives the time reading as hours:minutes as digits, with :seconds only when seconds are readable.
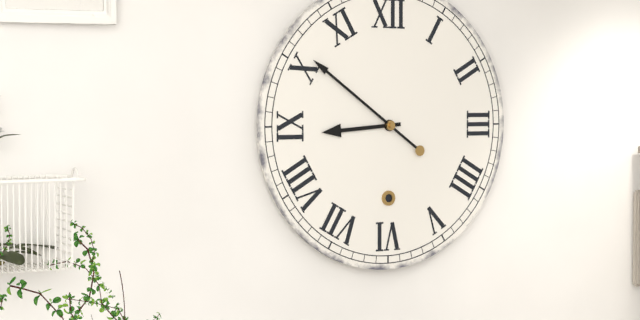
8:51
